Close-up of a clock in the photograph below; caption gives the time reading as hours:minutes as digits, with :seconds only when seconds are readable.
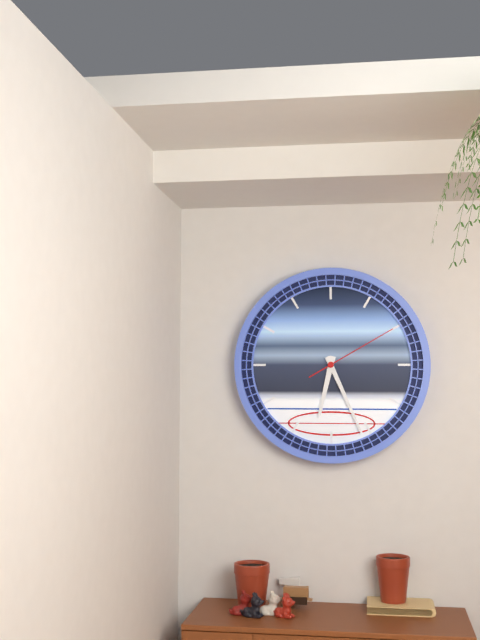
6:26:10
